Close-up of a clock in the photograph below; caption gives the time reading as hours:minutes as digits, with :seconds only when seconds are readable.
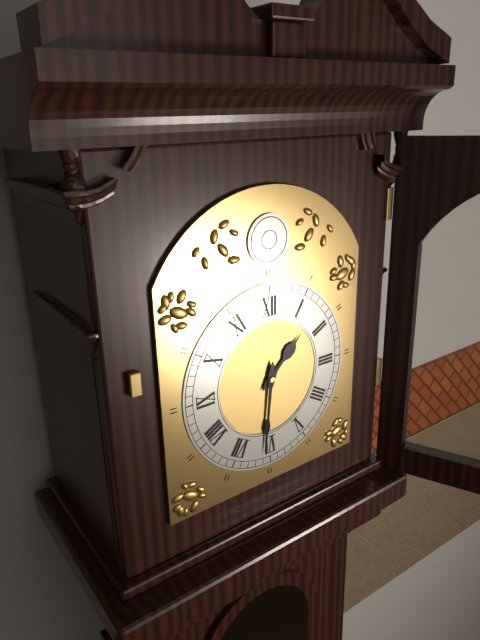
1:31
